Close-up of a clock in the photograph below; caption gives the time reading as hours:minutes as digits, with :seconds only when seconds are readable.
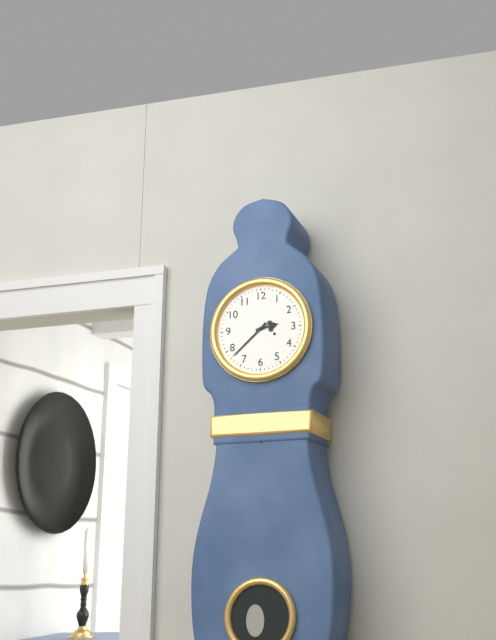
2:38
